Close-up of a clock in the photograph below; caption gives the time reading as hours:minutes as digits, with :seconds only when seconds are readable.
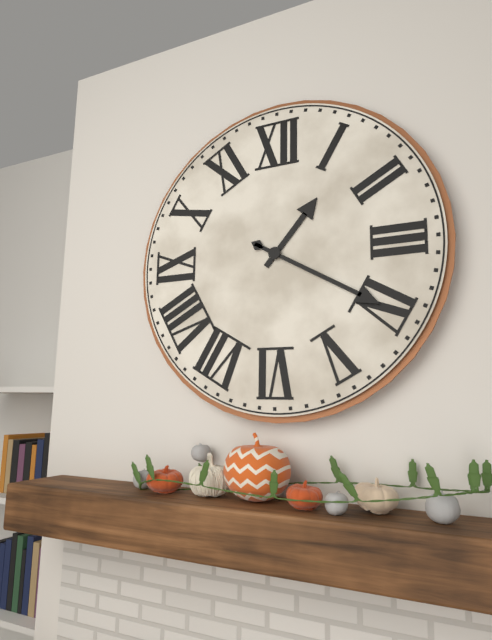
1:20
